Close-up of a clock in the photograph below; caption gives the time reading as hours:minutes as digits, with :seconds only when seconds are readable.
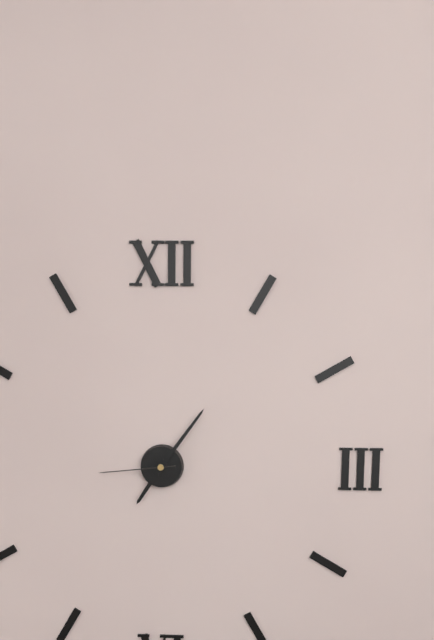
7:06:44
